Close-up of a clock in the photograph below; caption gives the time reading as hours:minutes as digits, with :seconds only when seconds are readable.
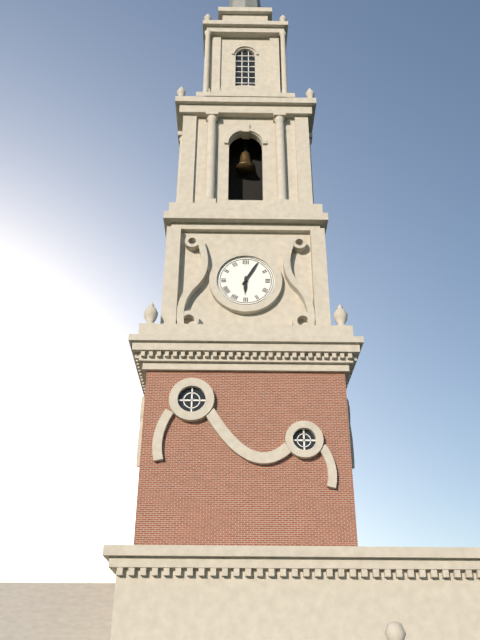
6:05
